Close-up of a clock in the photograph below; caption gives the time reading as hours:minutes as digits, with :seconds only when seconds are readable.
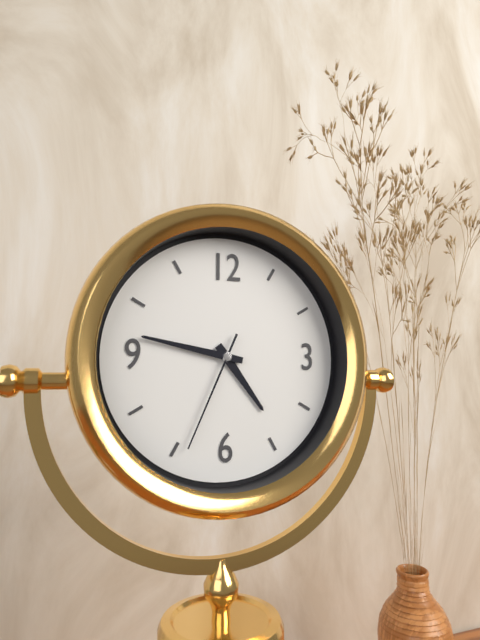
4:47:34
